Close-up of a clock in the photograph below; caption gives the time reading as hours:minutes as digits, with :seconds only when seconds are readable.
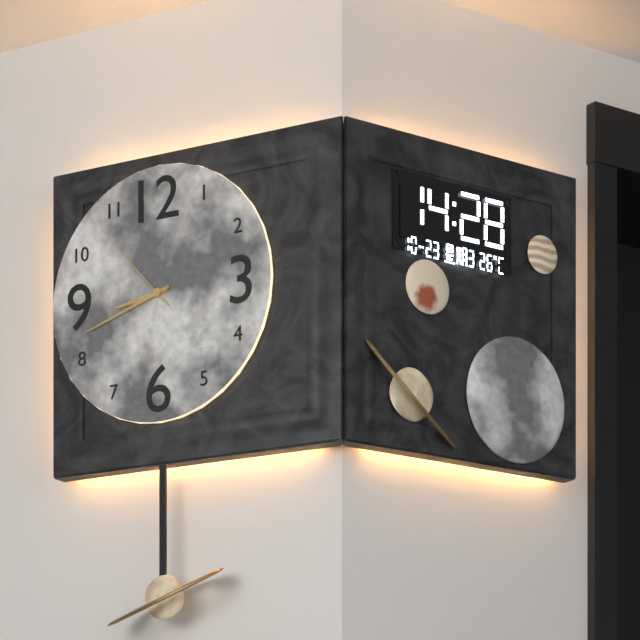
8:42:53
